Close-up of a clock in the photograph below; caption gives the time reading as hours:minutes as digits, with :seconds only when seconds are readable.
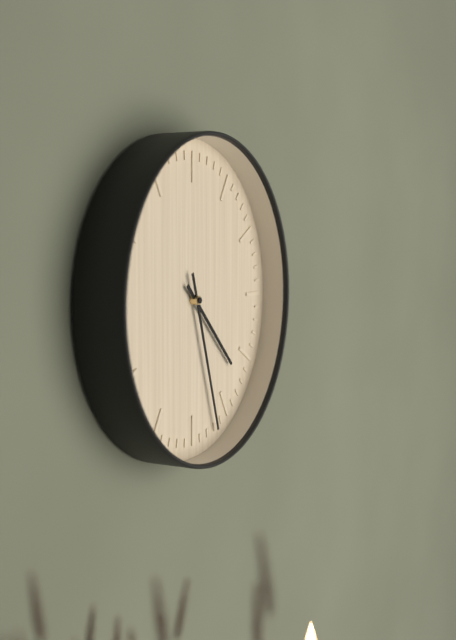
4:27
